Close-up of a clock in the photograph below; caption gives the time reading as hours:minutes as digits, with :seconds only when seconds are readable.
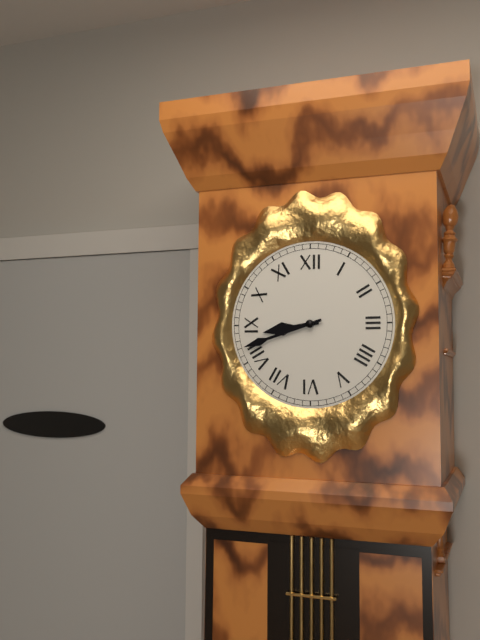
8:42
